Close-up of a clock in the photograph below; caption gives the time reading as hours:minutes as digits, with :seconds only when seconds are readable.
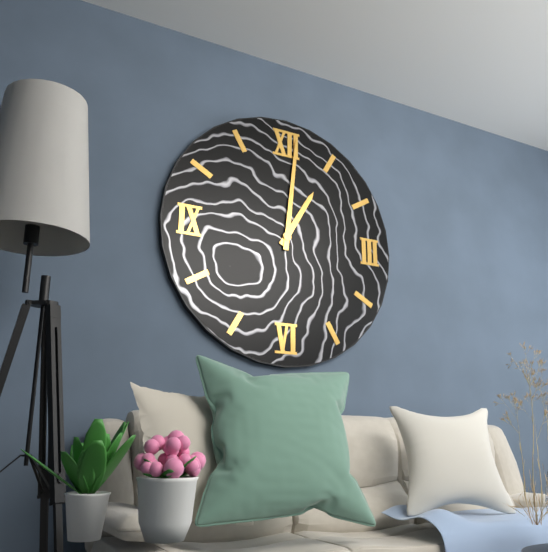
1:01
